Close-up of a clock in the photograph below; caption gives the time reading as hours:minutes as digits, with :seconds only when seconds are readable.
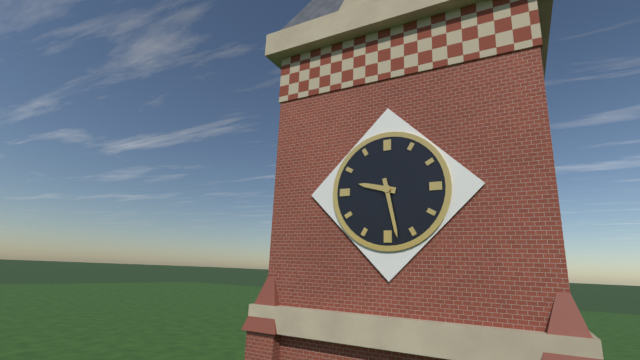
9:28
